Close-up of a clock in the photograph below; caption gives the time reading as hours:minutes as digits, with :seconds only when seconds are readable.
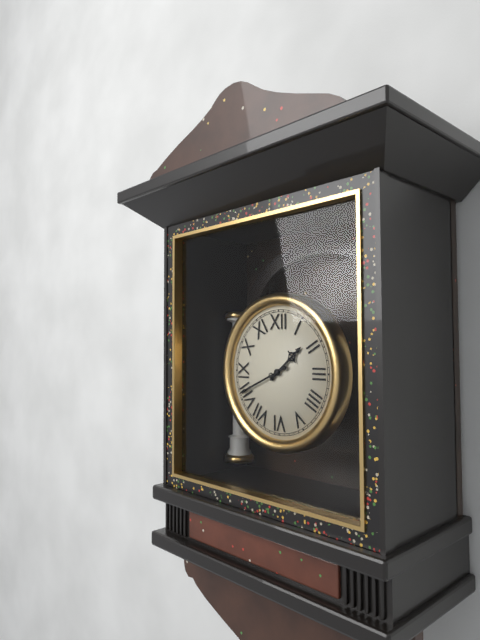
1:41
